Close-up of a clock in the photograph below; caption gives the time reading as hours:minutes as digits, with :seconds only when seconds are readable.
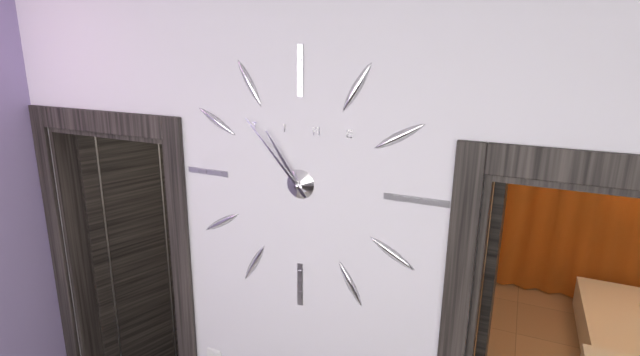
10:53
